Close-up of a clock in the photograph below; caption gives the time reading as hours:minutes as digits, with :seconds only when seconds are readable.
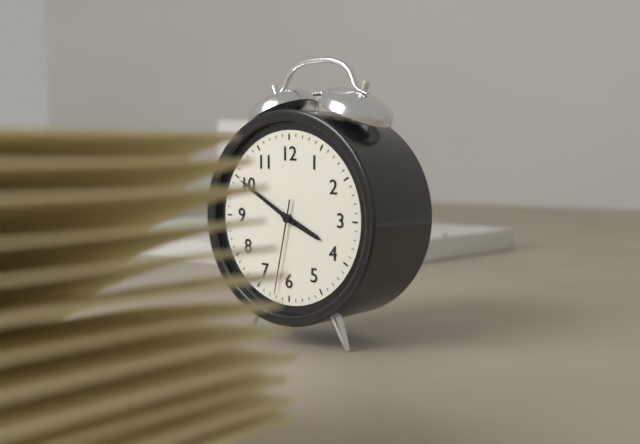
3:50:32
